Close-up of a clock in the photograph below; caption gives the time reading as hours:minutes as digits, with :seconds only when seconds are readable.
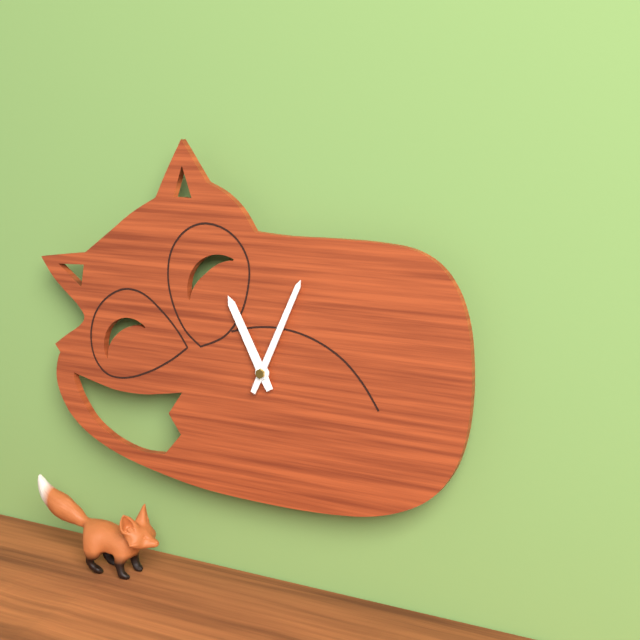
11:04
